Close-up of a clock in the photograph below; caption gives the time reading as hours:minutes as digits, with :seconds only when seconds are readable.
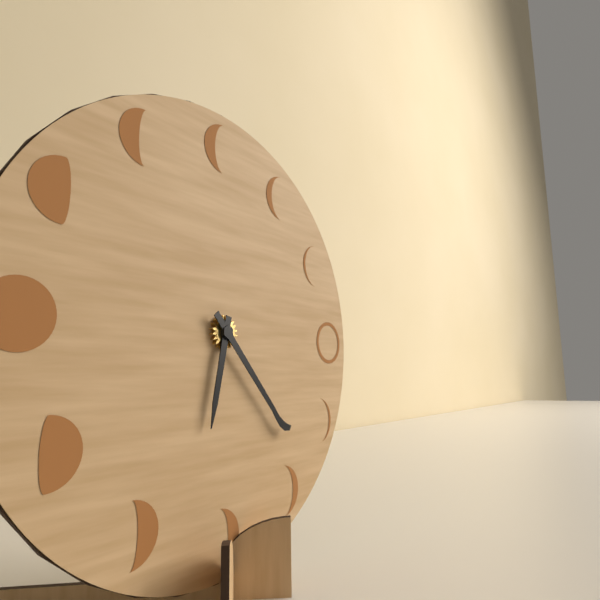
6:23
